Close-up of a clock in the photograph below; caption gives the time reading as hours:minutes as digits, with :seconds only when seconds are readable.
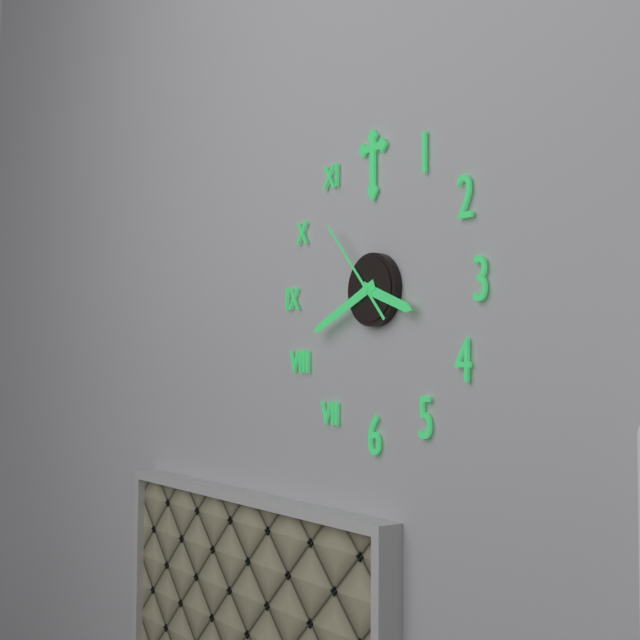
3:41:53
